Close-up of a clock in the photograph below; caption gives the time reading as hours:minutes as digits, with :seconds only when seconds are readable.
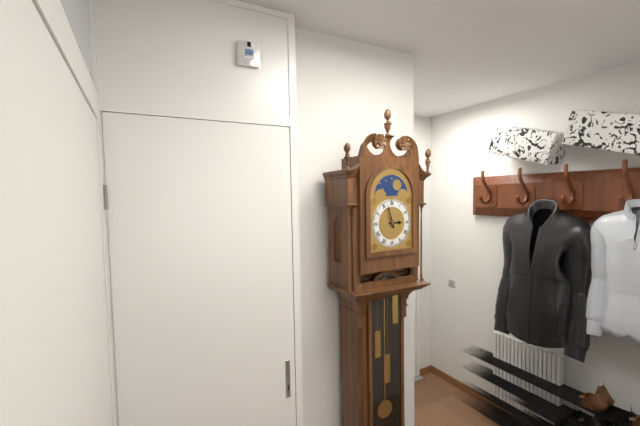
2:57
